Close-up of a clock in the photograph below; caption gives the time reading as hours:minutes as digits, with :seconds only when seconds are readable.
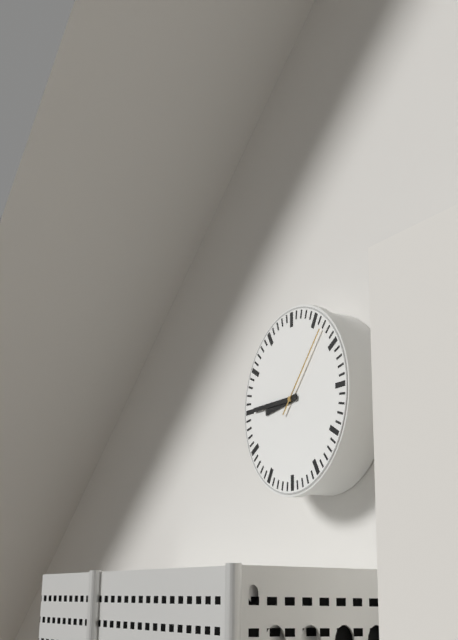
8:45:07
